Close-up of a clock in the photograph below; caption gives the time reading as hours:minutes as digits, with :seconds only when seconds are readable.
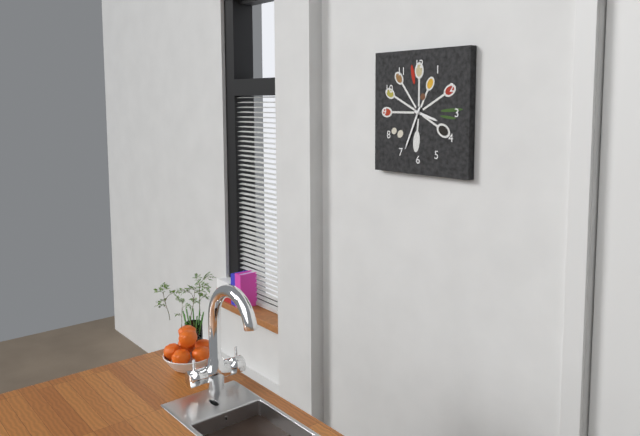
3:34
